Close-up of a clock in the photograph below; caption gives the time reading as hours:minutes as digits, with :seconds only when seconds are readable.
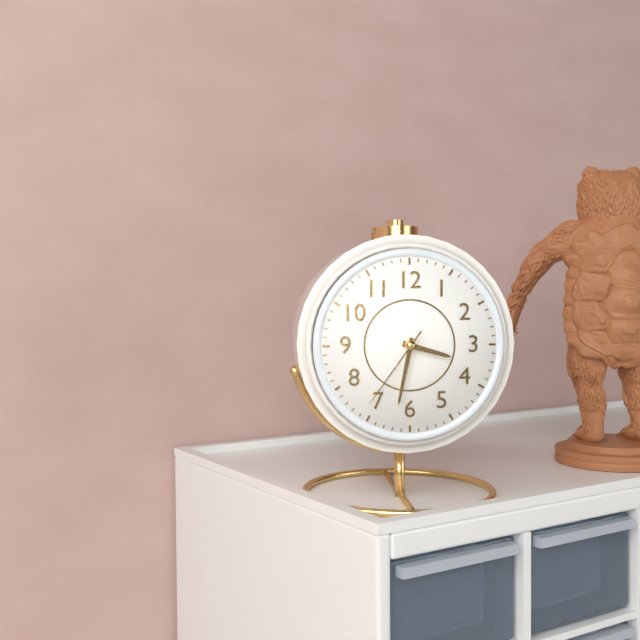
3:32:36
